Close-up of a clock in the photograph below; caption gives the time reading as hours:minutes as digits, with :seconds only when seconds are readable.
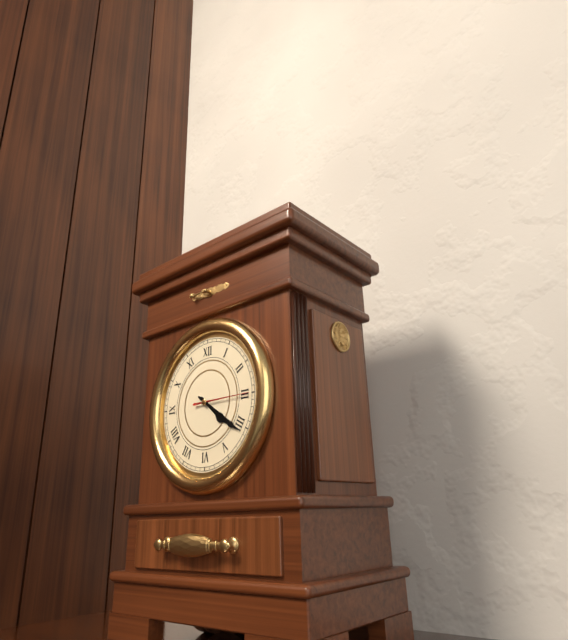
4:21:15
